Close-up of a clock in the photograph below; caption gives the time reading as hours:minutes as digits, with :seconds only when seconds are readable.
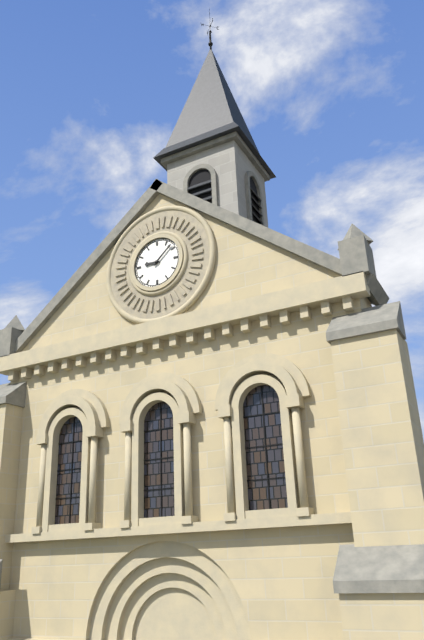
9:08
